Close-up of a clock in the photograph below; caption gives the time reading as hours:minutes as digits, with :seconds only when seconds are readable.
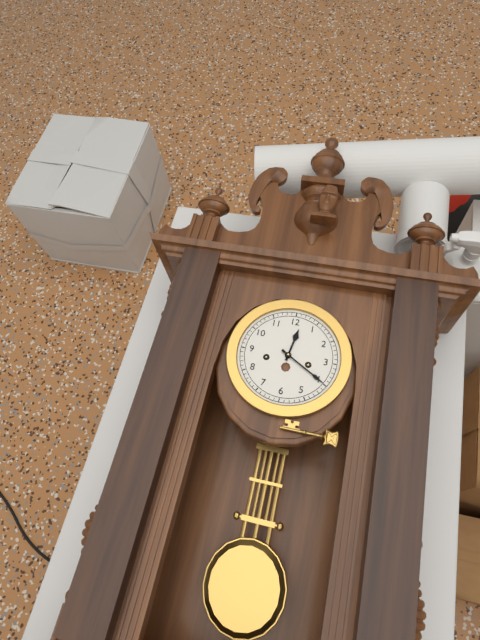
12:20
